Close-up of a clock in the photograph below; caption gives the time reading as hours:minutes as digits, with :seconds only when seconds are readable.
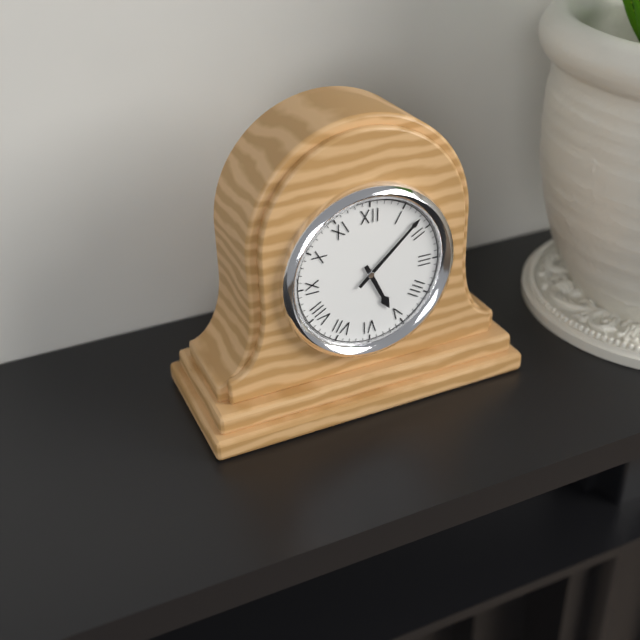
5:08
